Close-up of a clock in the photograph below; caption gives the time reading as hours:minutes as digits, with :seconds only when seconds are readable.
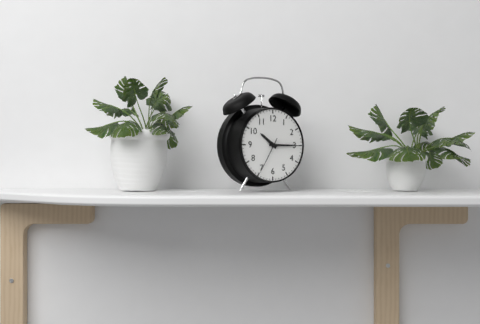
10:15
